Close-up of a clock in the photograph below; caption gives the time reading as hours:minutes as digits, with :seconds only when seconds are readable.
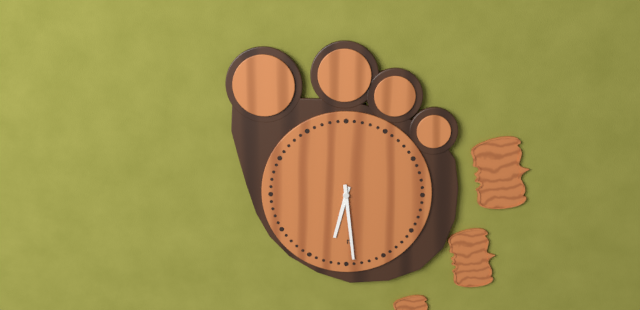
6:29
